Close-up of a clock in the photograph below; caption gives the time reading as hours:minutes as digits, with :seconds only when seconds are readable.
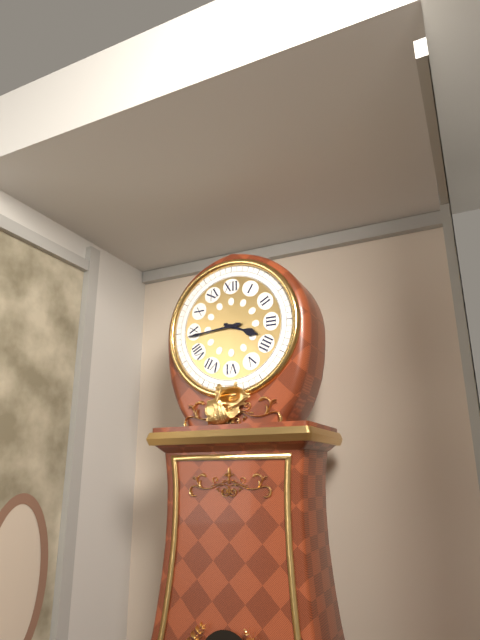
3:44
